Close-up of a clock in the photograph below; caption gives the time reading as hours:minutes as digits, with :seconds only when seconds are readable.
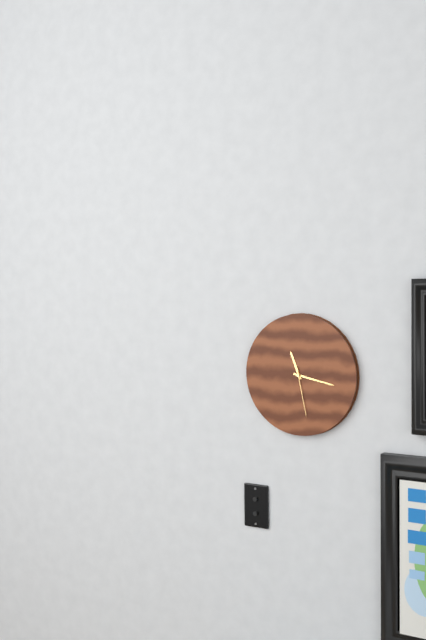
11:17:28
